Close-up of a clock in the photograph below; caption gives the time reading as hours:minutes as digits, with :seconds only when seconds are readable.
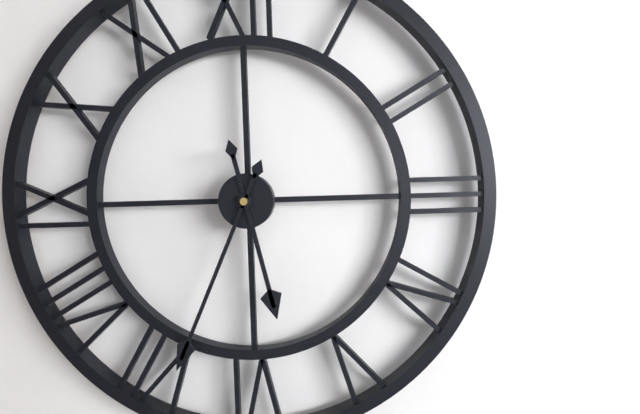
5:34
